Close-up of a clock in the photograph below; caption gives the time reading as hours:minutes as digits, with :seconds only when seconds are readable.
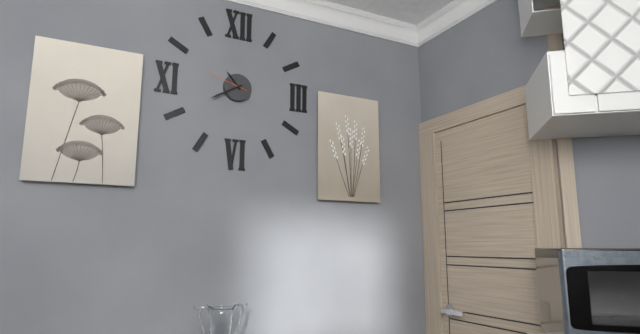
10:40
